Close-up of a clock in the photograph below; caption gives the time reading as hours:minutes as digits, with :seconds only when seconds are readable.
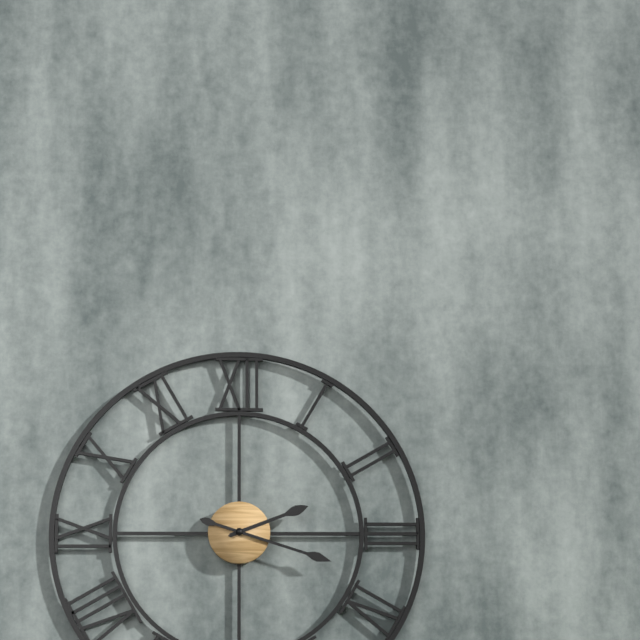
2:18
